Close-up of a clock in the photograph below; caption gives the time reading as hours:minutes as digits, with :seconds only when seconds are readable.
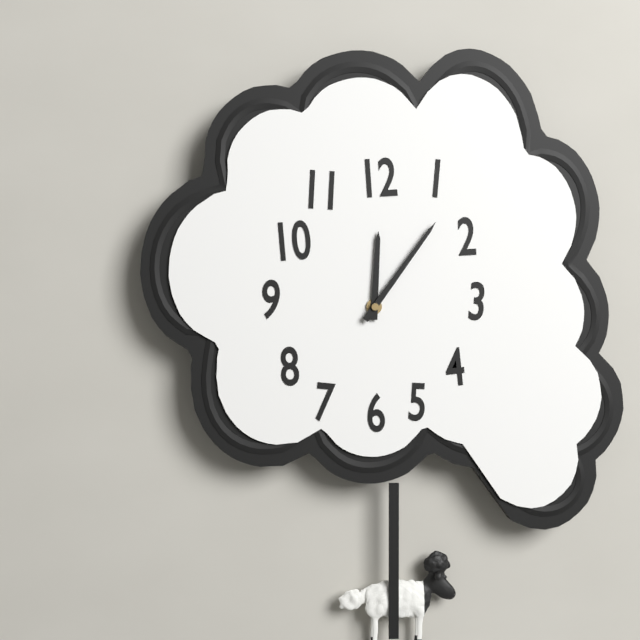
12:06
